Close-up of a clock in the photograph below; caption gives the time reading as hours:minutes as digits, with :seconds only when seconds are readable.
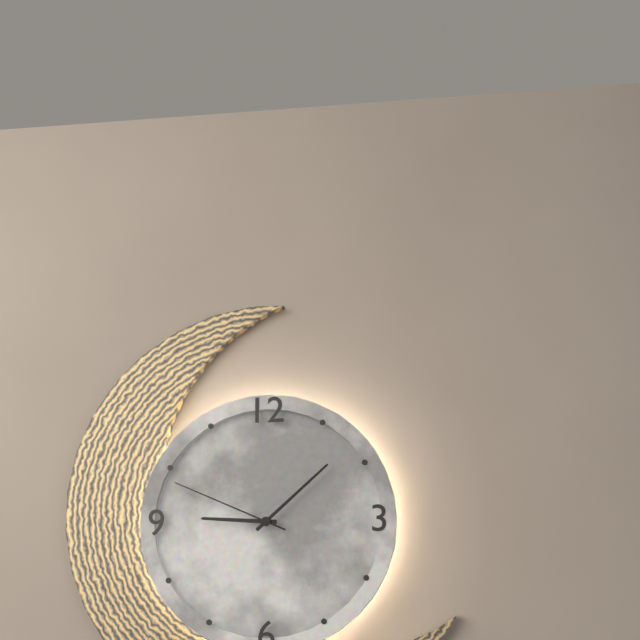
9:08:49
